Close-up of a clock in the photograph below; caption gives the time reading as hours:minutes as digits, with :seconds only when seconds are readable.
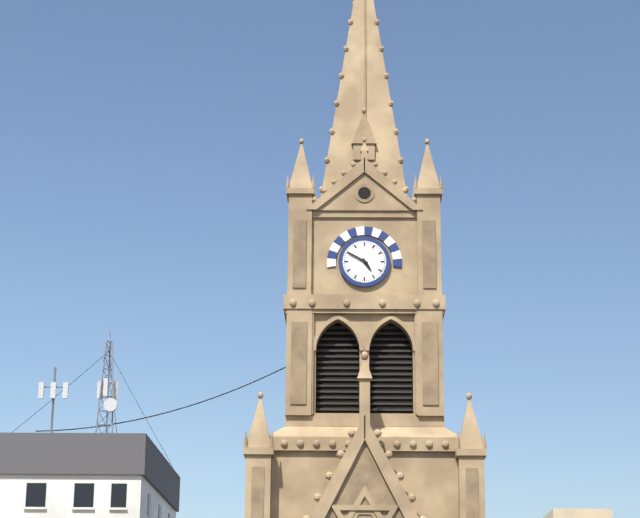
4:50
